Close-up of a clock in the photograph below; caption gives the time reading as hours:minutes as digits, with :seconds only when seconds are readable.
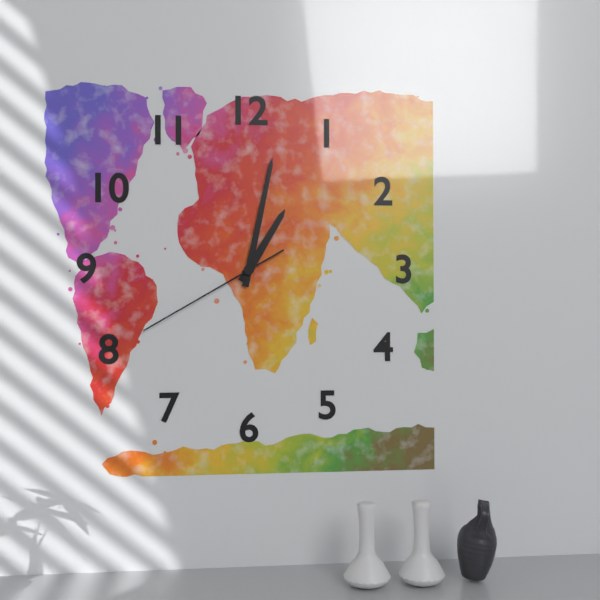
1:02:40
